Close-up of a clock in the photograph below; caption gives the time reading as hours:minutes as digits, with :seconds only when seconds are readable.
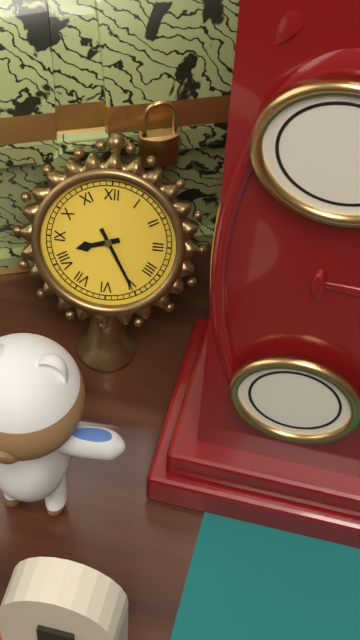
8:25
